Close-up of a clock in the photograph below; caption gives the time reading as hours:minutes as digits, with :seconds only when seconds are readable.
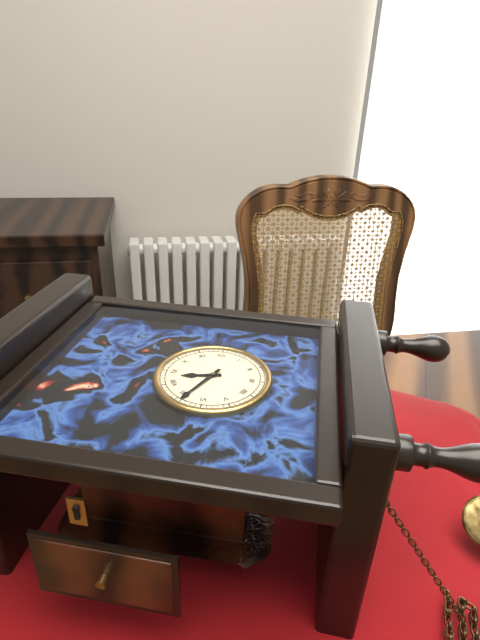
8:34
